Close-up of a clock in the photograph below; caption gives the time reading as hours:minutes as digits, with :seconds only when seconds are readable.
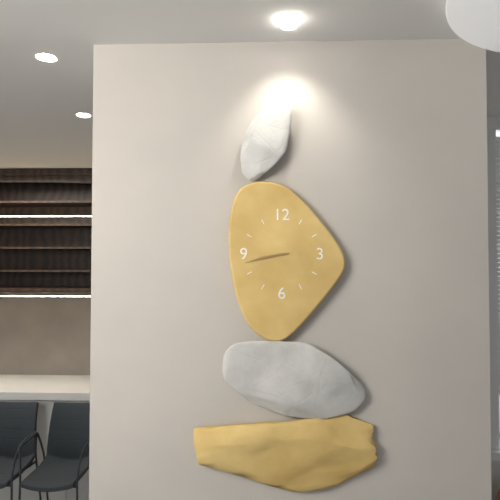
8:43
